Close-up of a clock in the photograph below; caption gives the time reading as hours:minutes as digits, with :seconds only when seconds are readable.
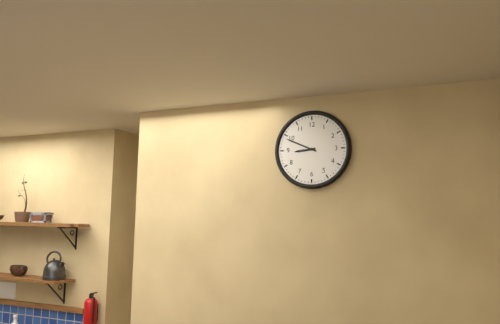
8:49
